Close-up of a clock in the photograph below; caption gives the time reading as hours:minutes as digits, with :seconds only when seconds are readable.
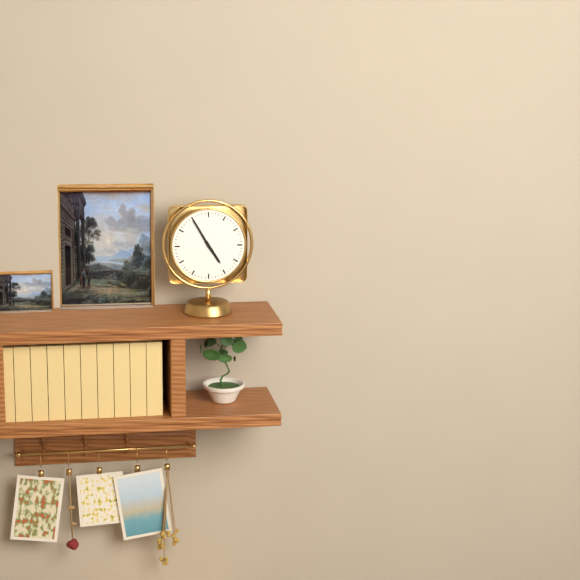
4:55
